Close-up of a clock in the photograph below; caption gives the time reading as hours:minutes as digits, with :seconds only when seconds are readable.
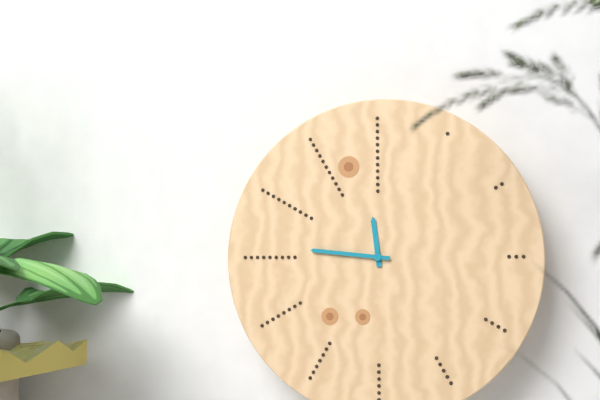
11:46
